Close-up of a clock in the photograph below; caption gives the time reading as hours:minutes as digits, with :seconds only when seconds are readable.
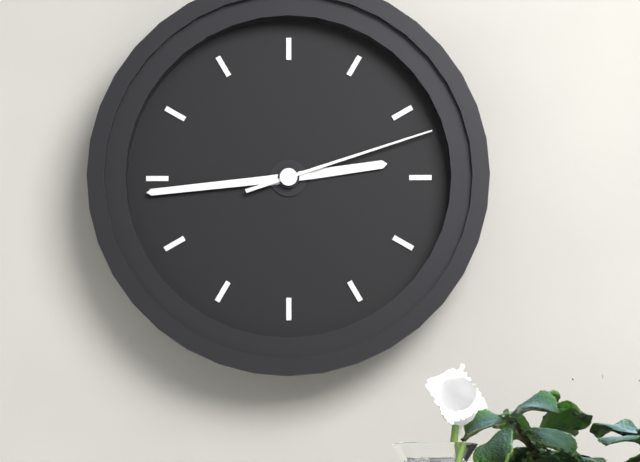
2:44:12
